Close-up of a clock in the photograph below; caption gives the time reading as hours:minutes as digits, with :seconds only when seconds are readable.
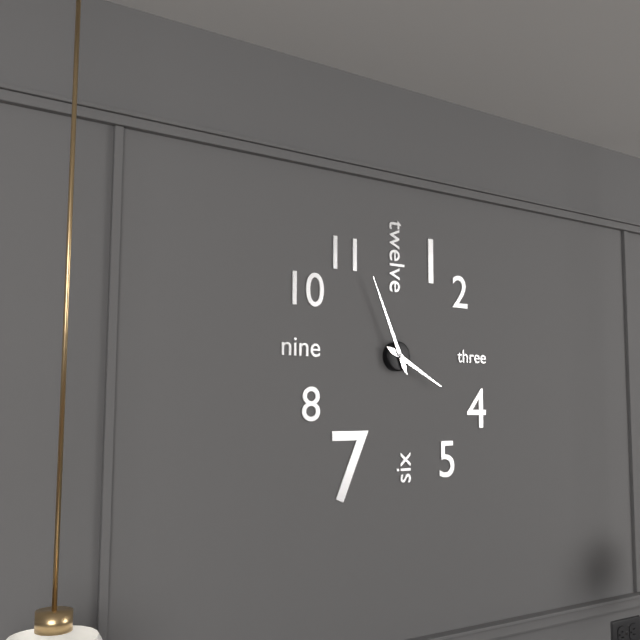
3:56
